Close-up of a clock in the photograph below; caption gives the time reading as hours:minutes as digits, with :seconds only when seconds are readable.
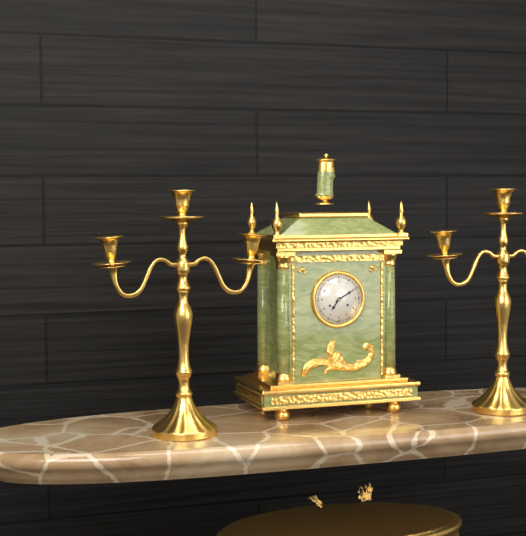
7:10
